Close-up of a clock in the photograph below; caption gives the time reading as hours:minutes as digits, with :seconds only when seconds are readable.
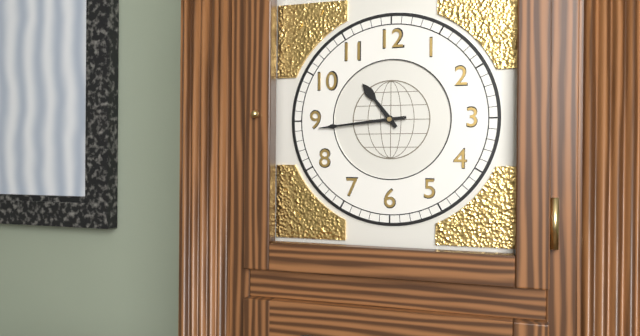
10:44
